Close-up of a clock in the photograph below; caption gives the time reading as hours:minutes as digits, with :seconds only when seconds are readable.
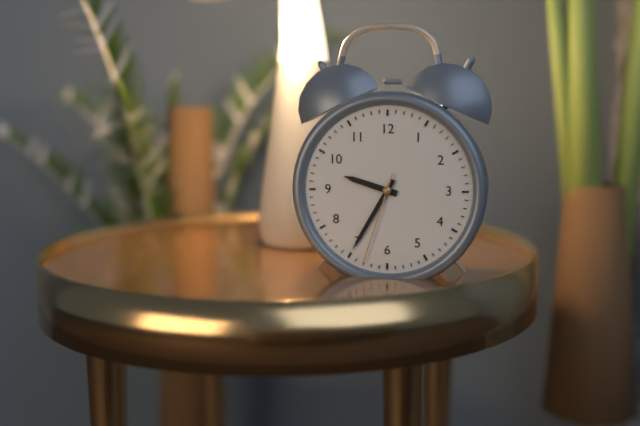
9:35:33
